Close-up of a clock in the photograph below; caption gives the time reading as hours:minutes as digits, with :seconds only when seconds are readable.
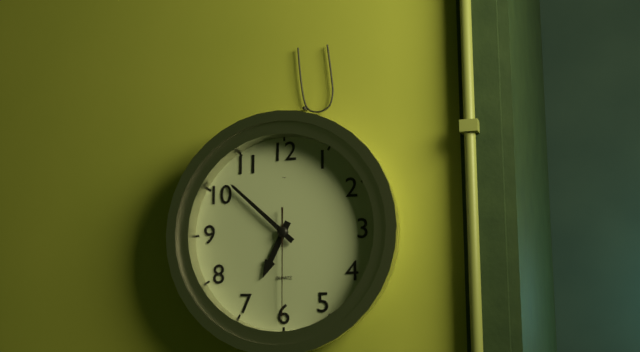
6:52:30
